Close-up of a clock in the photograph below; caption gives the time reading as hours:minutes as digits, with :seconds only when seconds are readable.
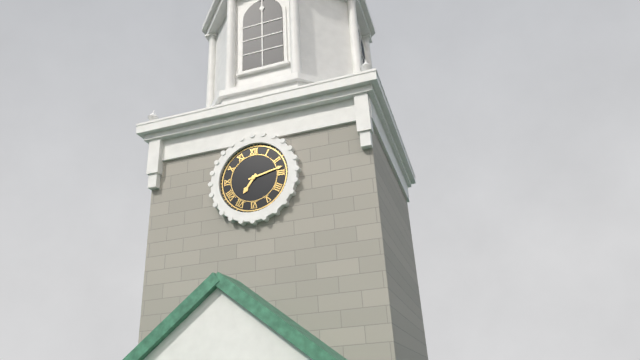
7:13
